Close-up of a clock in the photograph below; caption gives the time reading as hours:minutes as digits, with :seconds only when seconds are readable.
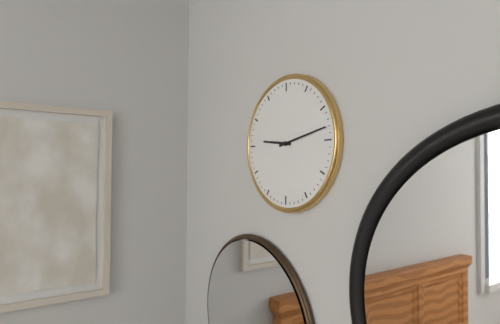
9:13
